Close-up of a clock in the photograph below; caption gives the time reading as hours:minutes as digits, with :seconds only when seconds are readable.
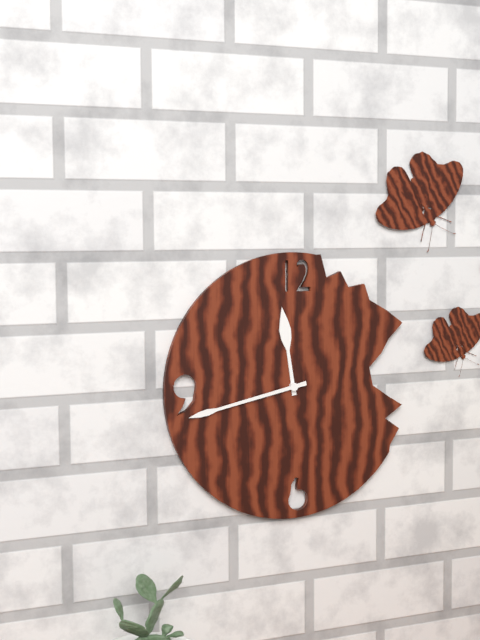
11:43
